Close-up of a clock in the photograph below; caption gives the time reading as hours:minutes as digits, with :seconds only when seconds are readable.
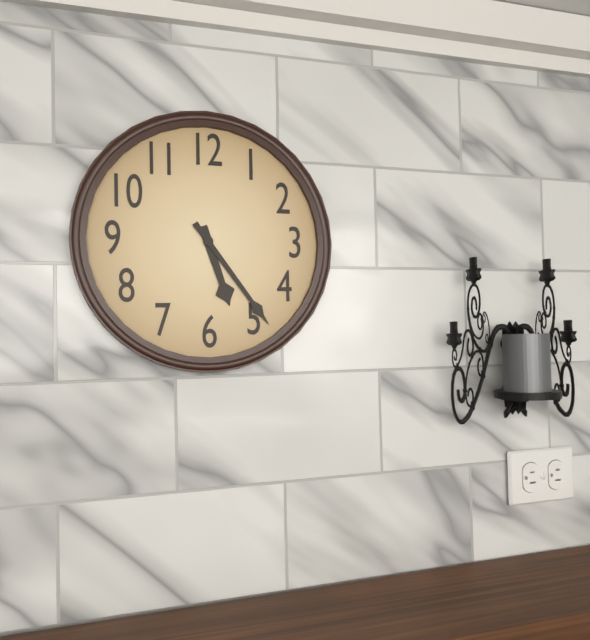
5:24
